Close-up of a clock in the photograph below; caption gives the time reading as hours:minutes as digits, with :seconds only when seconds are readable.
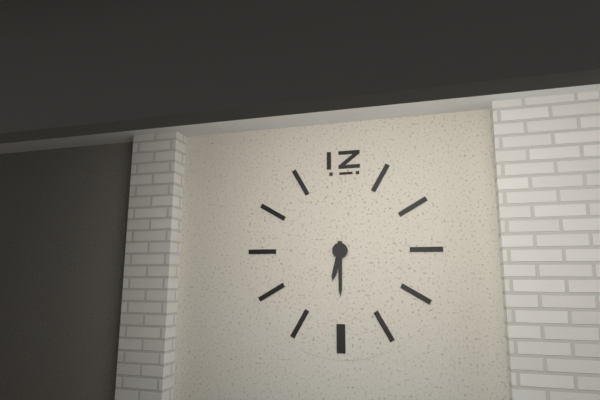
6:30
